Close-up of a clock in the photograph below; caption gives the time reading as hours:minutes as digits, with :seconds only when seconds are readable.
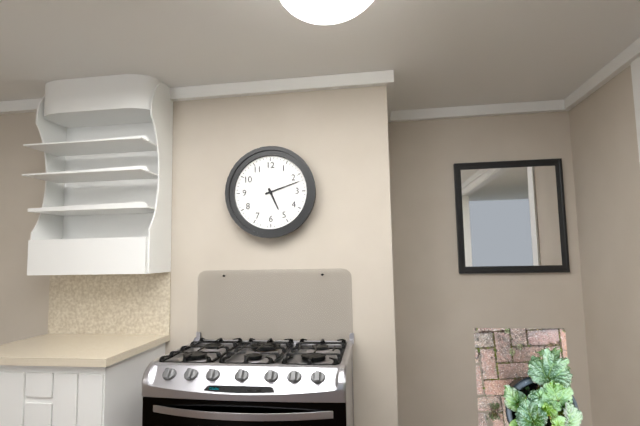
5:12
